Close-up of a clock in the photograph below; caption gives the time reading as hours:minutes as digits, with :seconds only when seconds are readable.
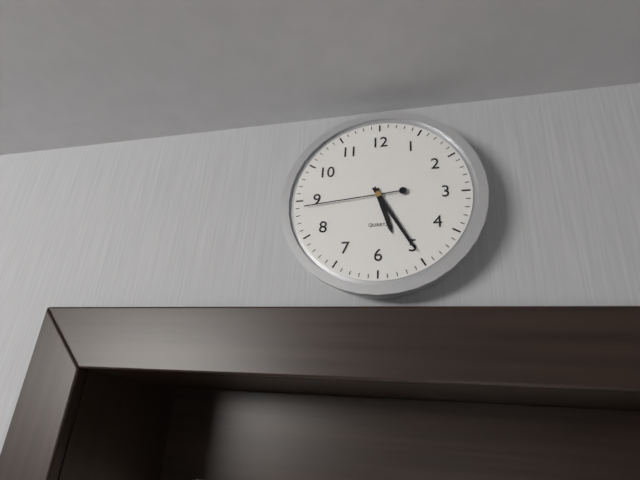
5:25:44
